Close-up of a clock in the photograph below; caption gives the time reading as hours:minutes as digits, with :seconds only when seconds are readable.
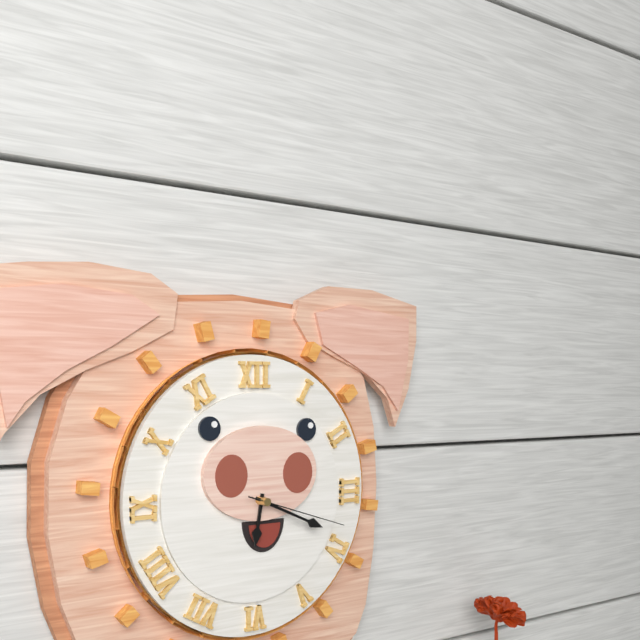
6:19:18
